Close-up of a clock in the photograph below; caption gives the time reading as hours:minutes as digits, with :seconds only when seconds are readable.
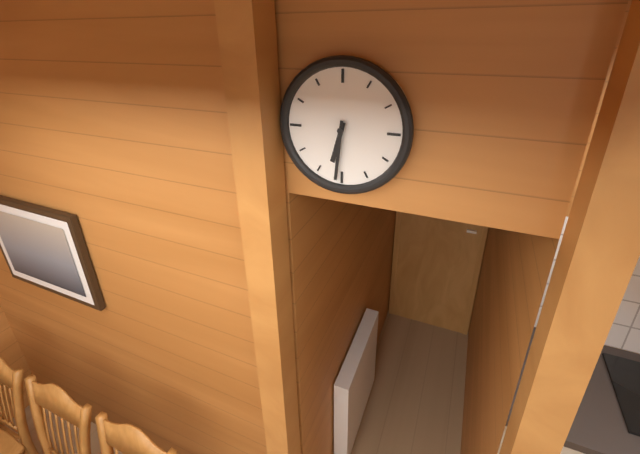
6:31
